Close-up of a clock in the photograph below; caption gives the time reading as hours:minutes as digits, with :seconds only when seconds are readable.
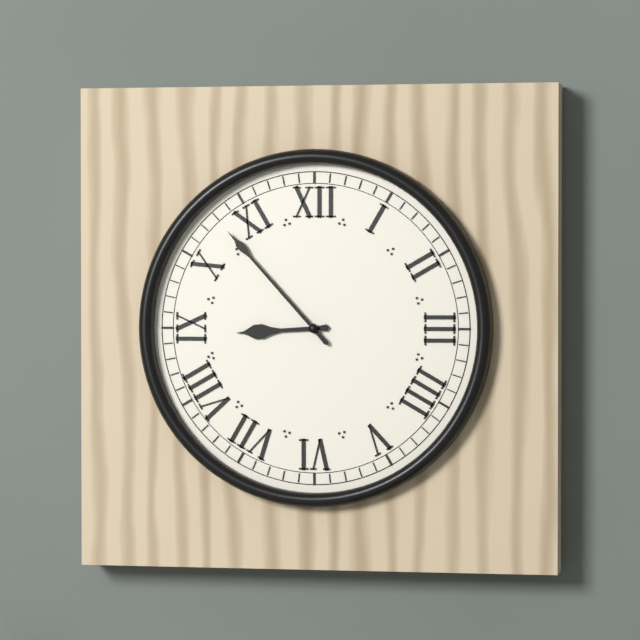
8:53
